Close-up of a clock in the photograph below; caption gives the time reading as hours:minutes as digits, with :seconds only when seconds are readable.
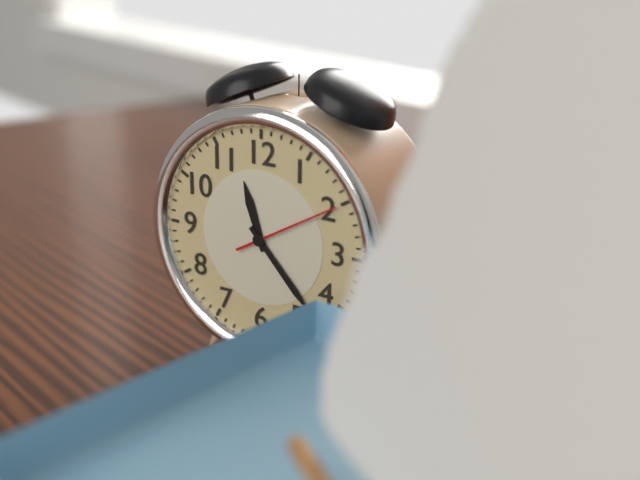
11:23:10
